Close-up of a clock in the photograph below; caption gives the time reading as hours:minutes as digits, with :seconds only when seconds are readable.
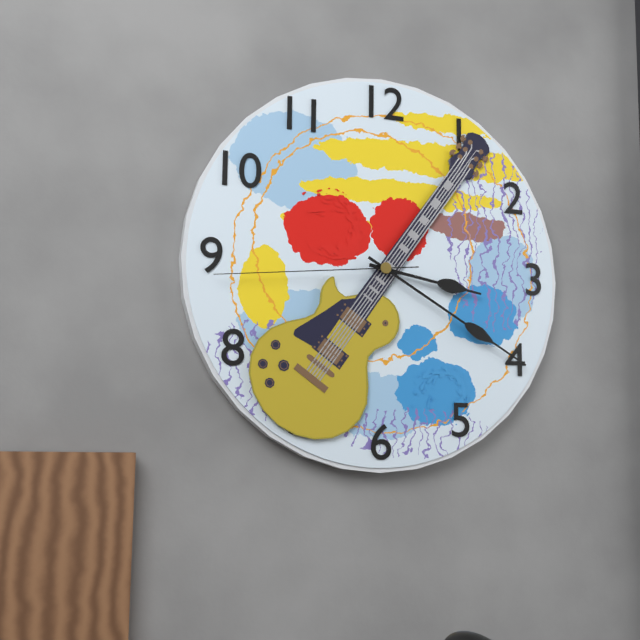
3:20:44
